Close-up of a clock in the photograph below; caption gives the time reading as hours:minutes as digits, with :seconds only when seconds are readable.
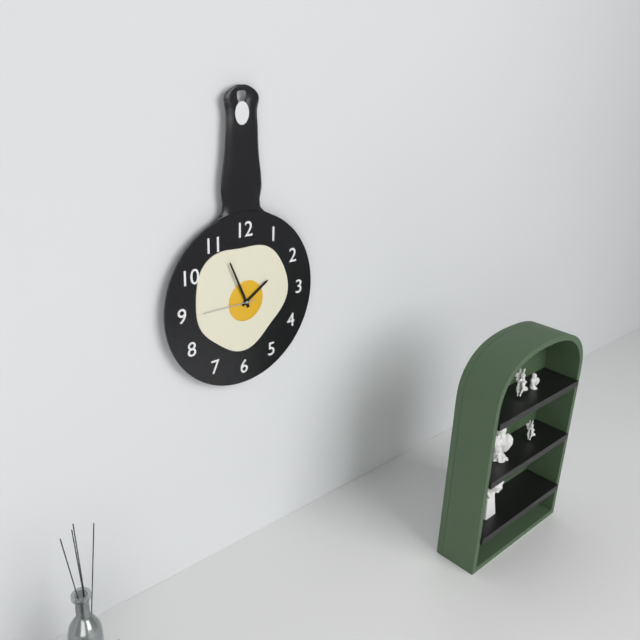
1:56
